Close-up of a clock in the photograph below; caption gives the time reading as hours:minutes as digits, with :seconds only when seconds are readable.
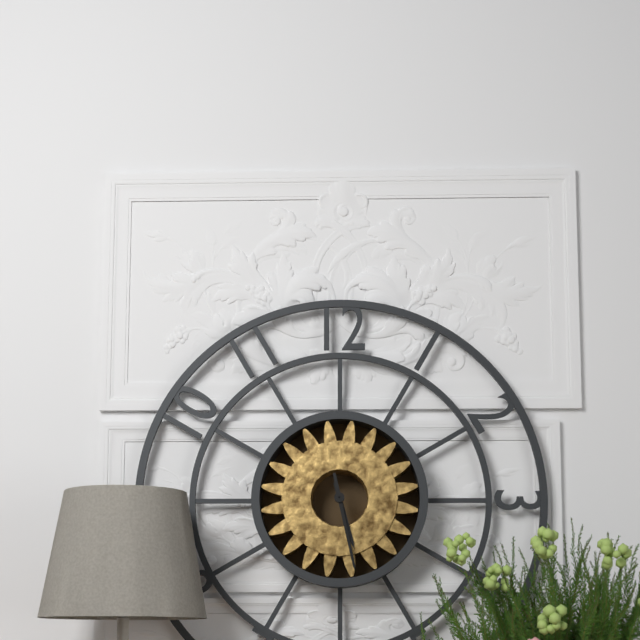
5:28
